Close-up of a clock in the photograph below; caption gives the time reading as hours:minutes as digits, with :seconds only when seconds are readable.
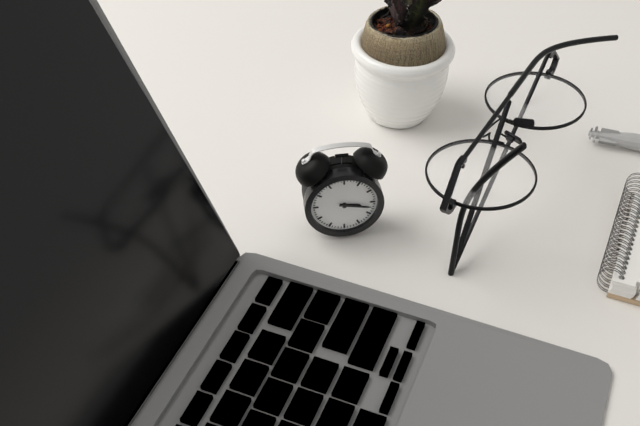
3:17
